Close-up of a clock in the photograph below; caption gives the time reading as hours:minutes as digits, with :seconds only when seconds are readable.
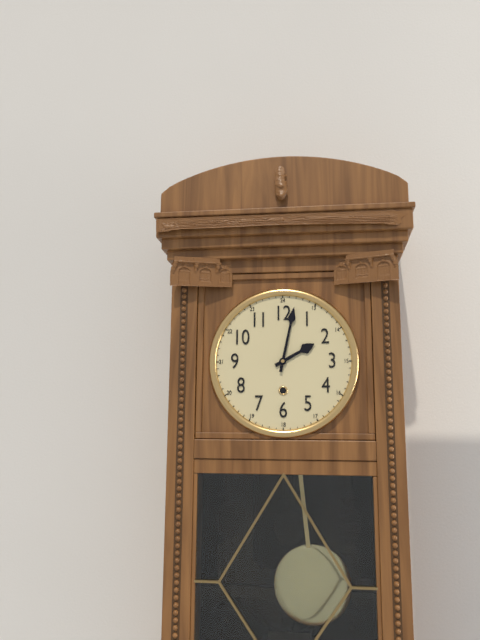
2:02
